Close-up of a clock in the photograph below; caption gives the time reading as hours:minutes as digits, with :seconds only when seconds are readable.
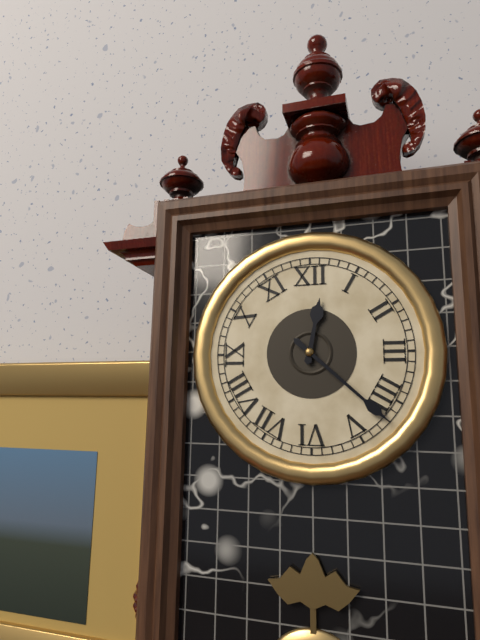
12:22
